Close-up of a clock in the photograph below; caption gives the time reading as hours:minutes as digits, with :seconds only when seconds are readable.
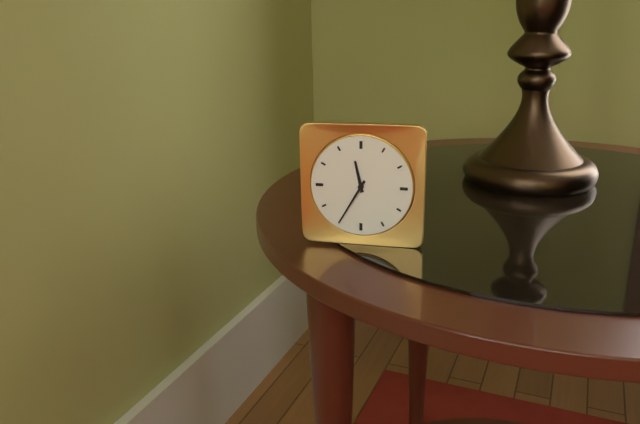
11:35
